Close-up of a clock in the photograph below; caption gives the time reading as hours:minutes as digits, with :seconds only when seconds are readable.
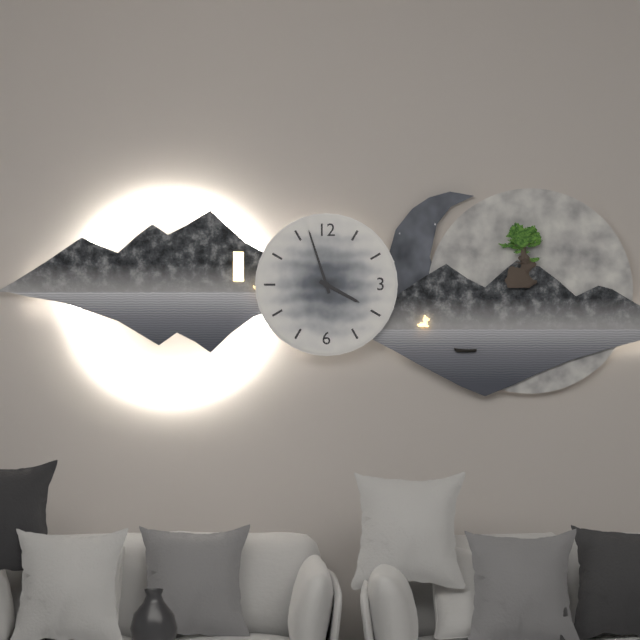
3:57
